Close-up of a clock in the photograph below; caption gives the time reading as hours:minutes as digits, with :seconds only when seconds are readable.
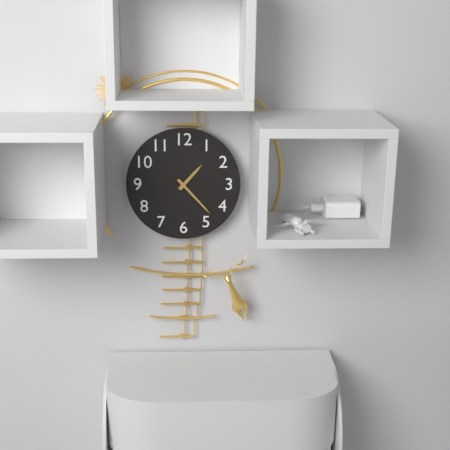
1:23
